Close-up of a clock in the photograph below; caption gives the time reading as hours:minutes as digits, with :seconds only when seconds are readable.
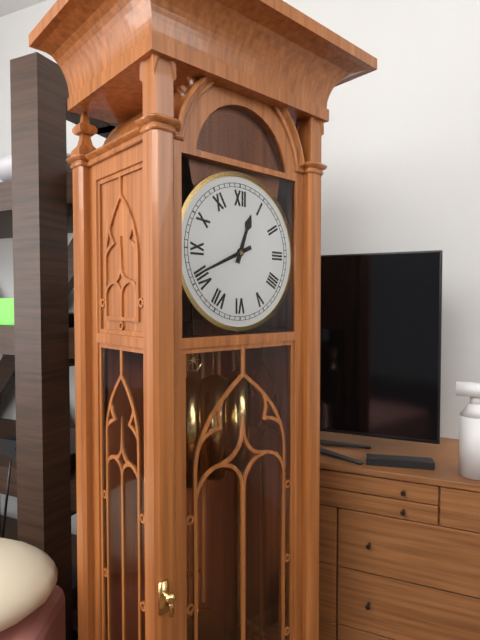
12:41
